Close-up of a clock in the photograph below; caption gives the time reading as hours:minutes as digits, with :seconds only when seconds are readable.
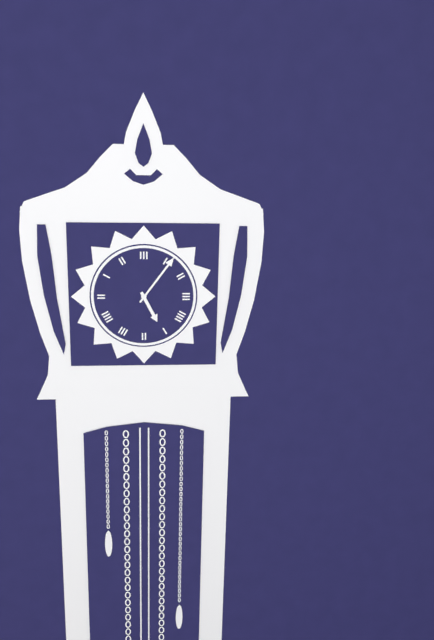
5:06
